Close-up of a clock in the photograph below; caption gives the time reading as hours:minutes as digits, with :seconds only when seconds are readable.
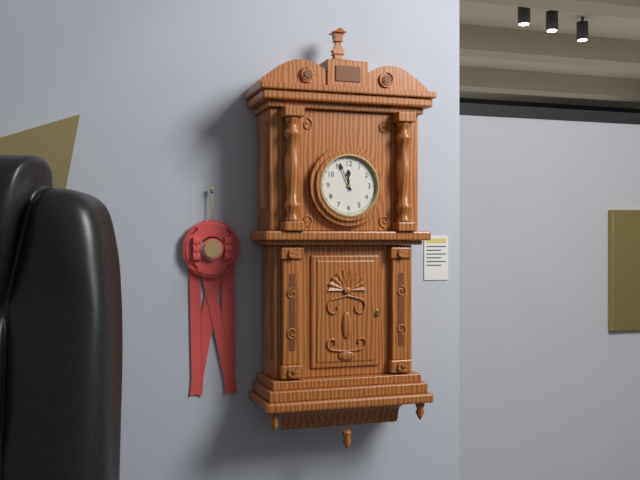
11:56
